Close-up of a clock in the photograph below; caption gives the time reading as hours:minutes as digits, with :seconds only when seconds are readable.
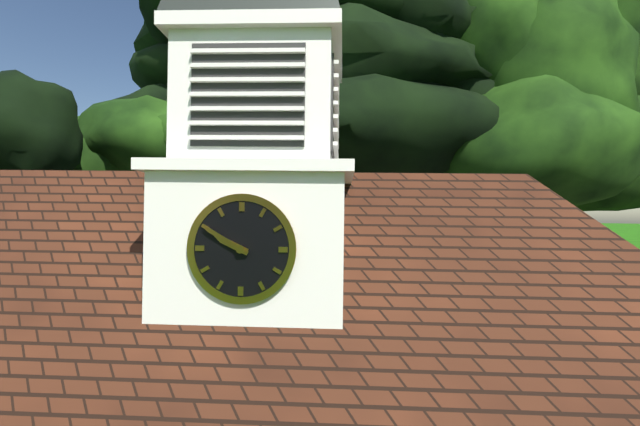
9:50
